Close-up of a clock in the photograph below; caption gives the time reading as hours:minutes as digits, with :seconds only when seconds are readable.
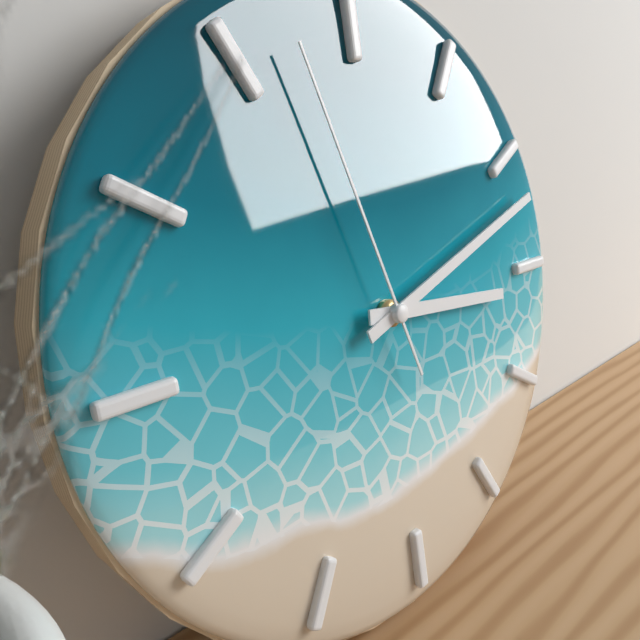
3:12:57
